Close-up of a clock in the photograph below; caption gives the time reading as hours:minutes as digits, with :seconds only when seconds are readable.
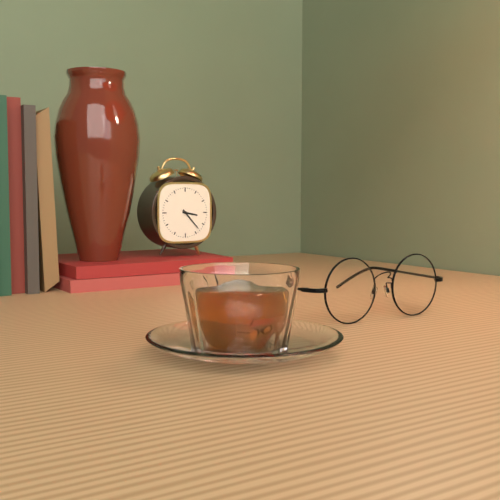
3:23
